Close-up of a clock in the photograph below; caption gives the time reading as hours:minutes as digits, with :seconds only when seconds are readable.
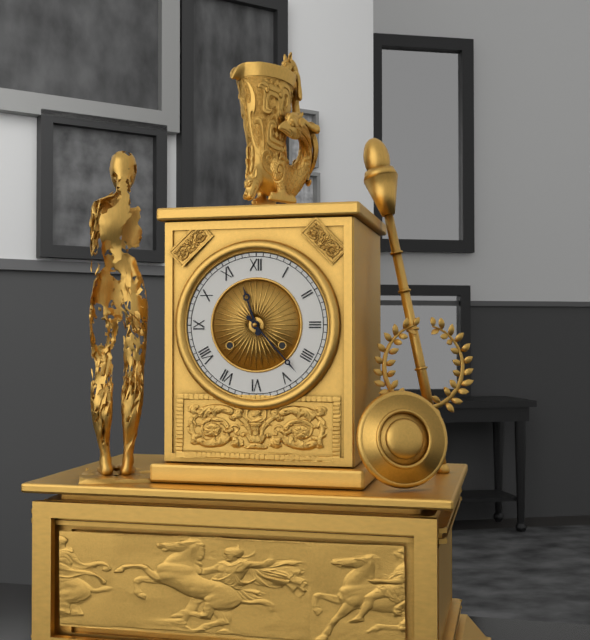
11:23
